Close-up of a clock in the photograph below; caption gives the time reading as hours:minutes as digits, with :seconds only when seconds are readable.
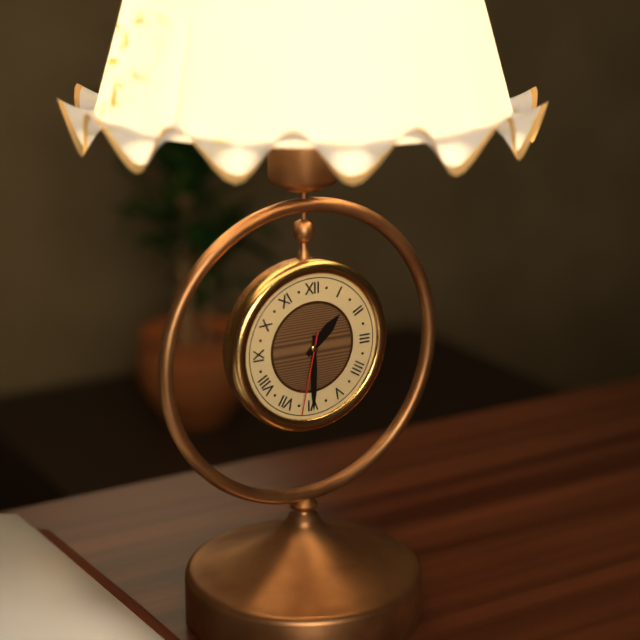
1:30:32
